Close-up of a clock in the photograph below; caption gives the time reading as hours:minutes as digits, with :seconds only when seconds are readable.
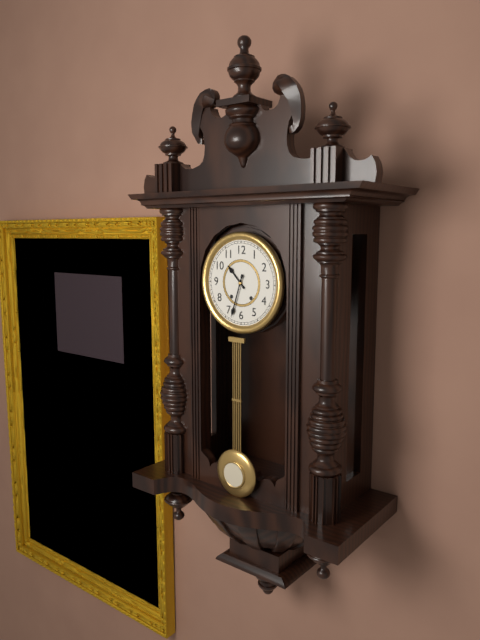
10:33
